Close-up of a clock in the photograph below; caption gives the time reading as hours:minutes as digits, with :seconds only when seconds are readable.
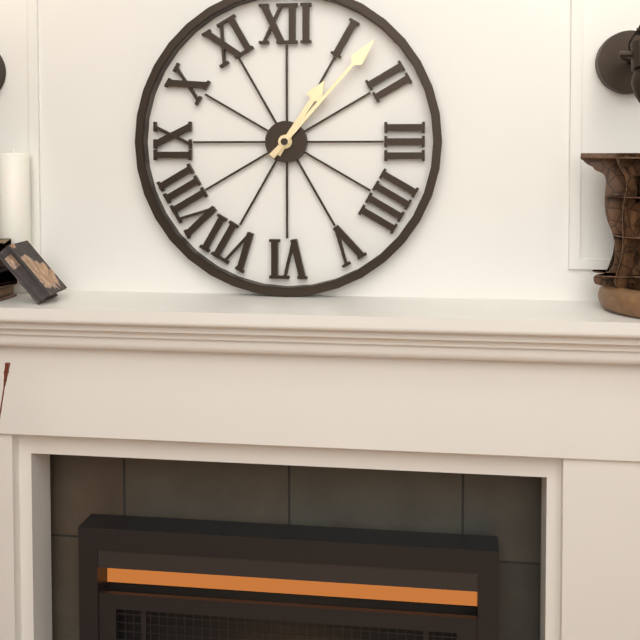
1:07
